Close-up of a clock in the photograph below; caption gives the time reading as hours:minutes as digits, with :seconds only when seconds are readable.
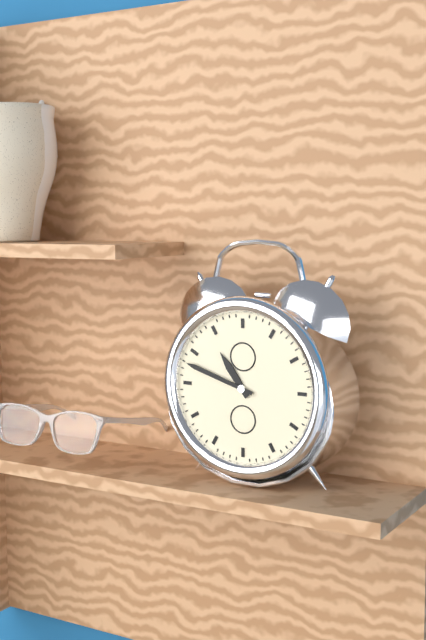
10:48
